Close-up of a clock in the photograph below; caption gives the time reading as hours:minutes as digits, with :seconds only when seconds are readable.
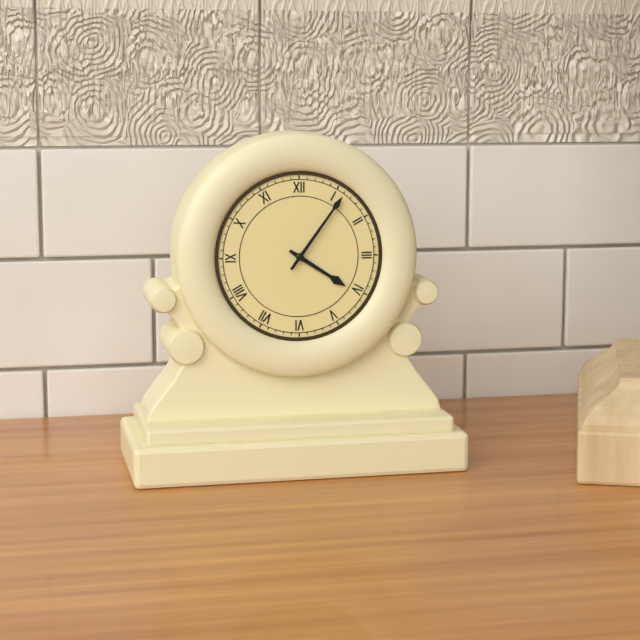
4:06
